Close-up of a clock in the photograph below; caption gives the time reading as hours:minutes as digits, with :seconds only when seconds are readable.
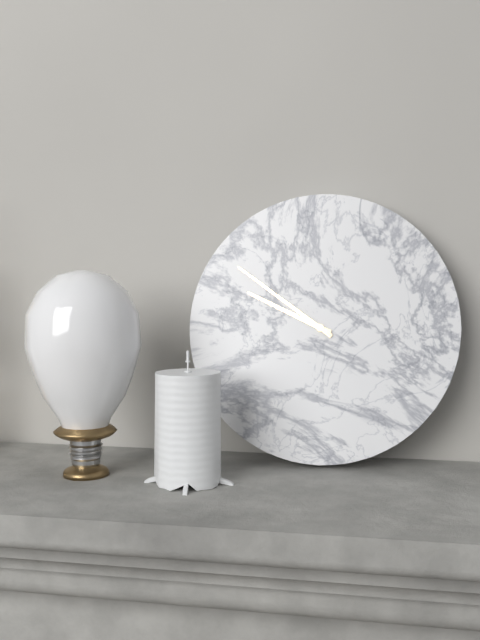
9:51
